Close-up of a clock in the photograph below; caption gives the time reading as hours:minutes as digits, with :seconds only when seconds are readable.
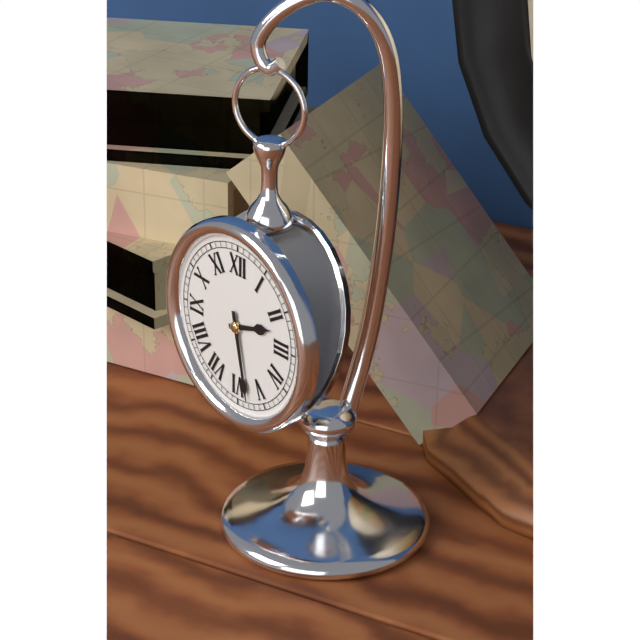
2:28
